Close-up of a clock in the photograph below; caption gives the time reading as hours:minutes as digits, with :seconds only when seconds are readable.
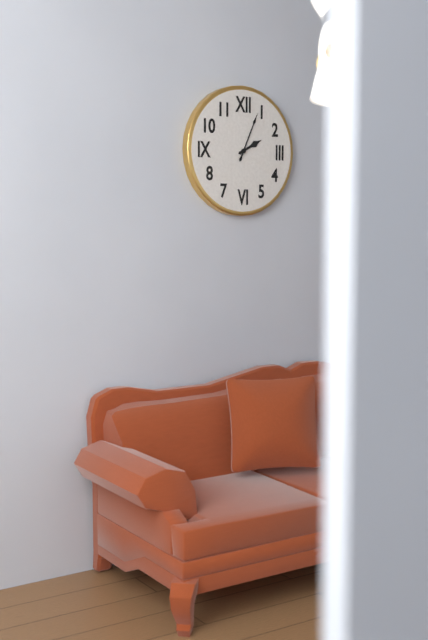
2:04
